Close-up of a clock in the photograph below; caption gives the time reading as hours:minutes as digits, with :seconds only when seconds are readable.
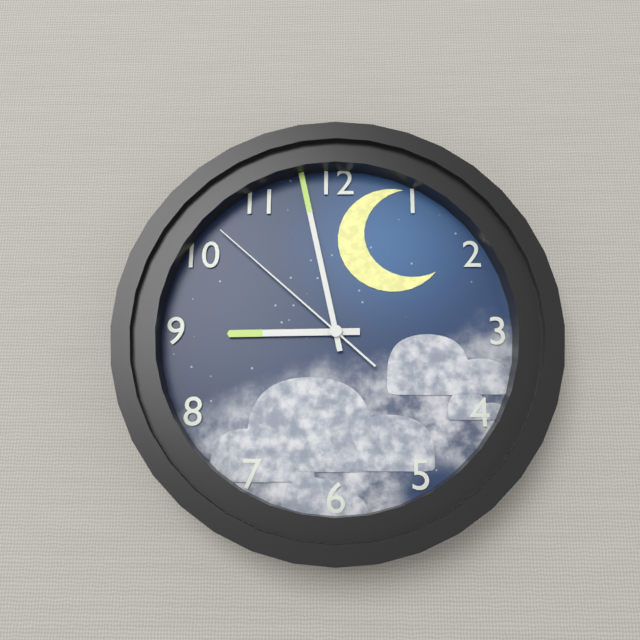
8:58:52
